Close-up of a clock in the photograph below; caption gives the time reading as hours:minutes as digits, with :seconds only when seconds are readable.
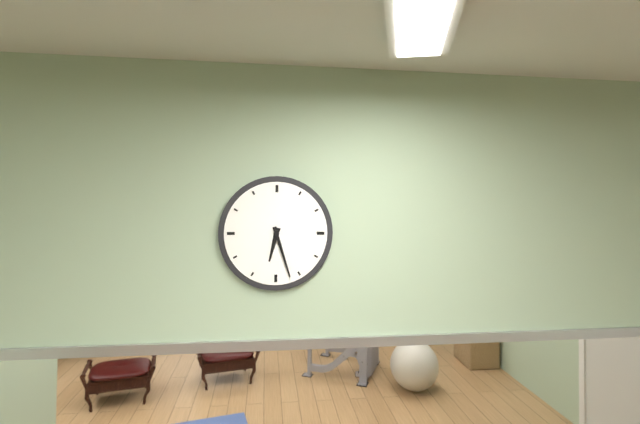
6:27
